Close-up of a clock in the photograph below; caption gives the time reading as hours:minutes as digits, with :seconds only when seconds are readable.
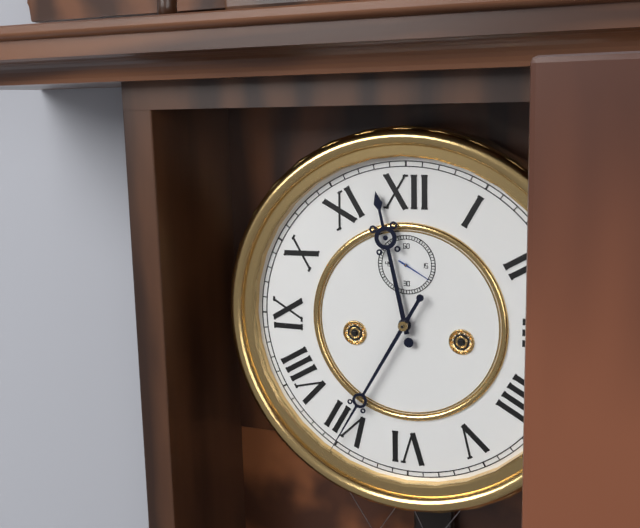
11:35
